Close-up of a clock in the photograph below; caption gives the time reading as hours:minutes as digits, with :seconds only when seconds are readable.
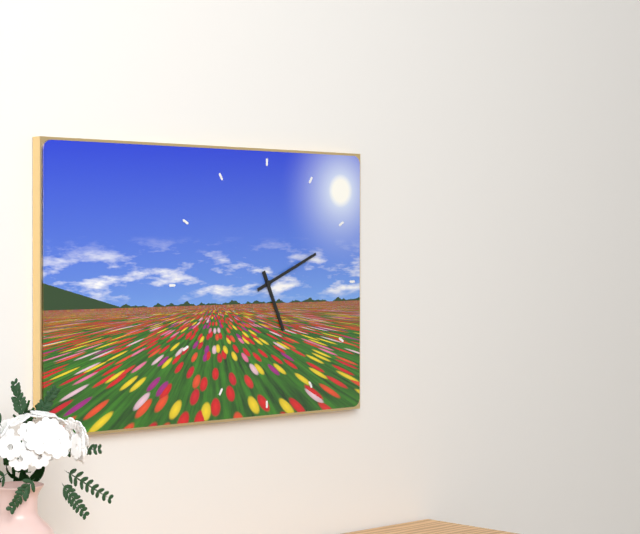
5:11
